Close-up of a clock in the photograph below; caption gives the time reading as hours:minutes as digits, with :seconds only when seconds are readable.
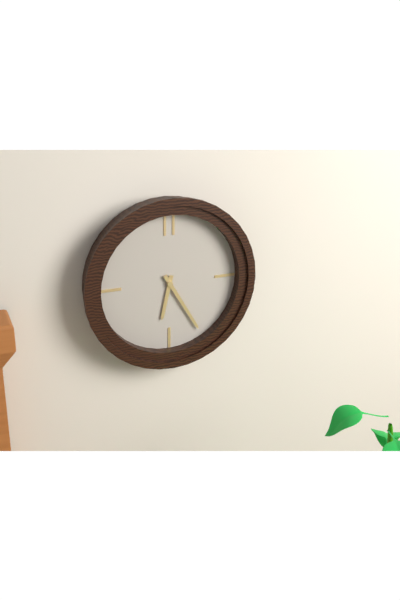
6:25
